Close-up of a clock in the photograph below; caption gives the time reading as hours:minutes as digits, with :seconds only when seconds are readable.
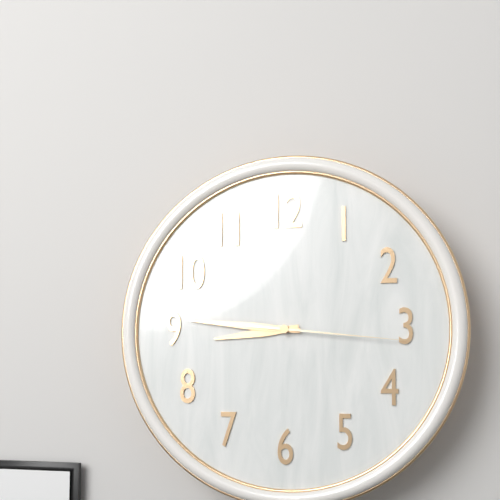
8:46:16
